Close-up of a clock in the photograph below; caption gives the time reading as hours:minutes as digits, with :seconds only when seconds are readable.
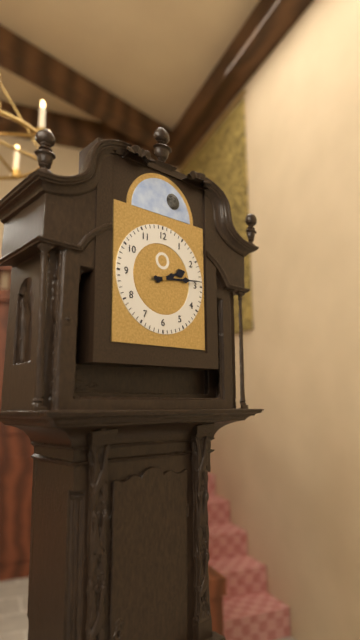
2:14
